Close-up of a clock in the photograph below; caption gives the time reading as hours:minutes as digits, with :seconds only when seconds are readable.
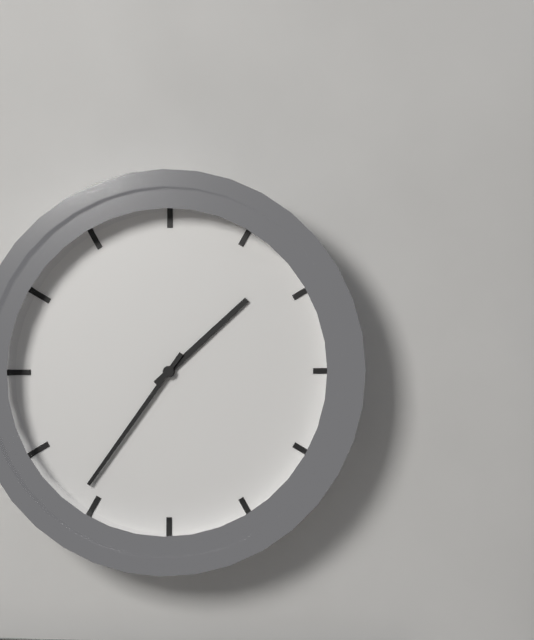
1:36
